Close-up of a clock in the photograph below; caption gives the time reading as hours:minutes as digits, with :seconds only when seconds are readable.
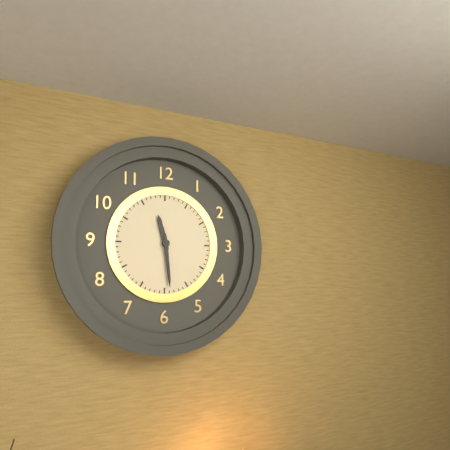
11:29
